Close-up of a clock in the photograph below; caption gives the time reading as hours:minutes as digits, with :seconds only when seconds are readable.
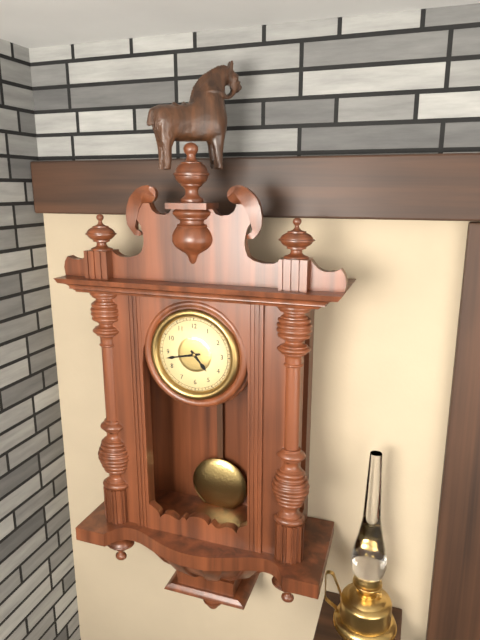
4:43
